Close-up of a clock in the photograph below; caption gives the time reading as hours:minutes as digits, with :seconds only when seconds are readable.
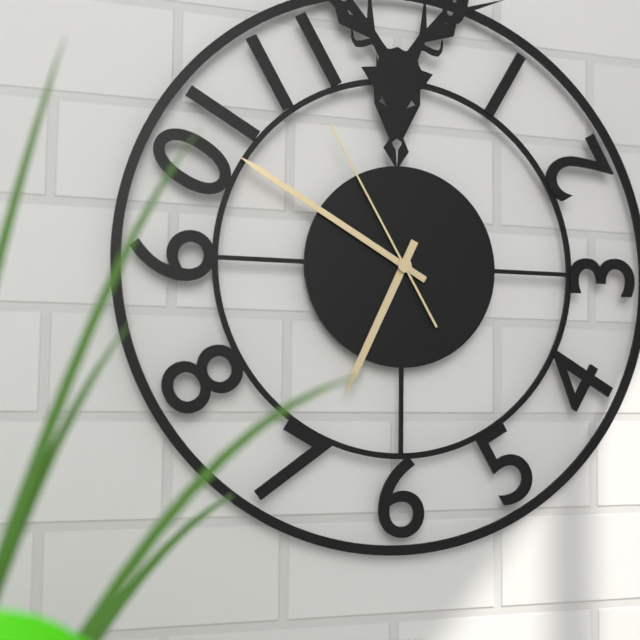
6:50:55
